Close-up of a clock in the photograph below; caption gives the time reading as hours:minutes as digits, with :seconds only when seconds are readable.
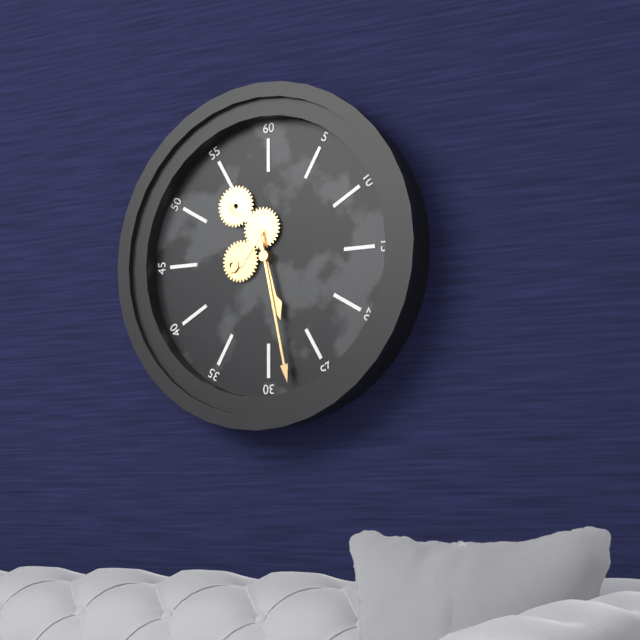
5:28
